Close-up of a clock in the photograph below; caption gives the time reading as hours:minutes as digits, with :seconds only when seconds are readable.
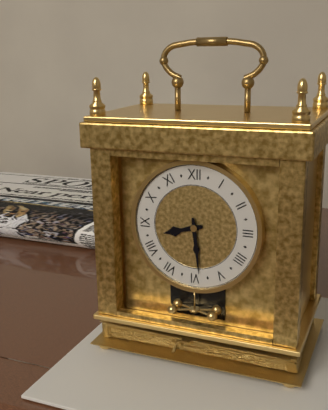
8:29
